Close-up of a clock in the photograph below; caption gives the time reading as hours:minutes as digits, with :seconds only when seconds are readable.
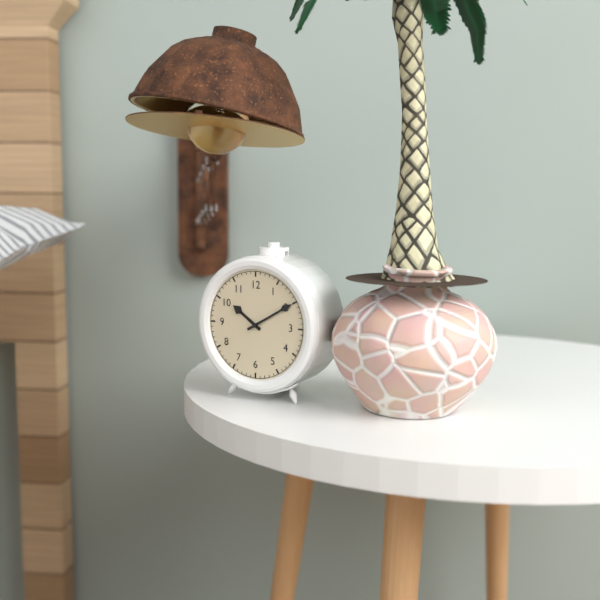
10:10
